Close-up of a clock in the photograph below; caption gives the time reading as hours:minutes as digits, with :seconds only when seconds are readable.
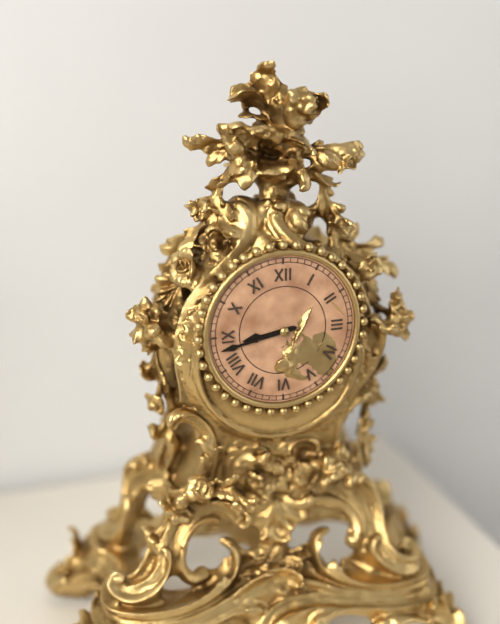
8:43
